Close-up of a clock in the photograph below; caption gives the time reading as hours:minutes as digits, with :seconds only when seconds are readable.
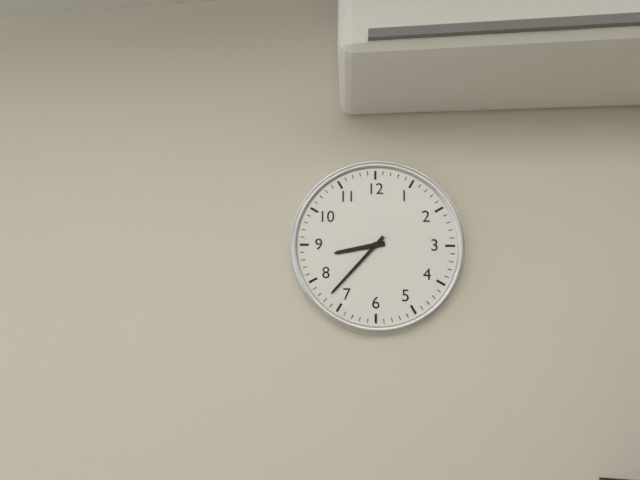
8:37
